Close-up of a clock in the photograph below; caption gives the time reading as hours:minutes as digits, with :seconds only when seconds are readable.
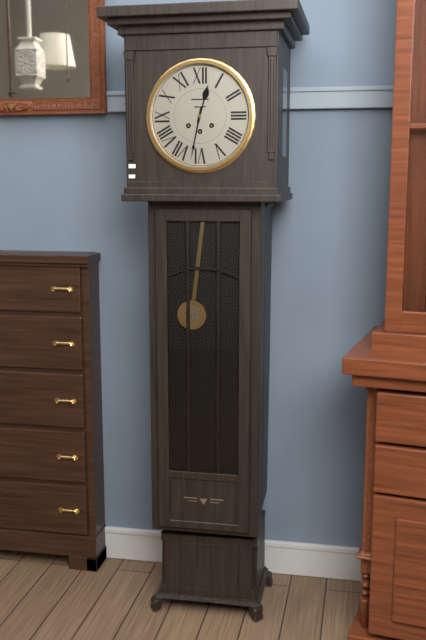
12:32
